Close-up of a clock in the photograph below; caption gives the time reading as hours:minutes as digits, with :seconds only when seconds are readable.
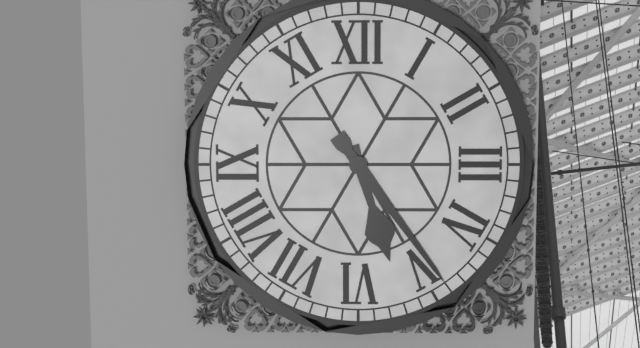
5:24
